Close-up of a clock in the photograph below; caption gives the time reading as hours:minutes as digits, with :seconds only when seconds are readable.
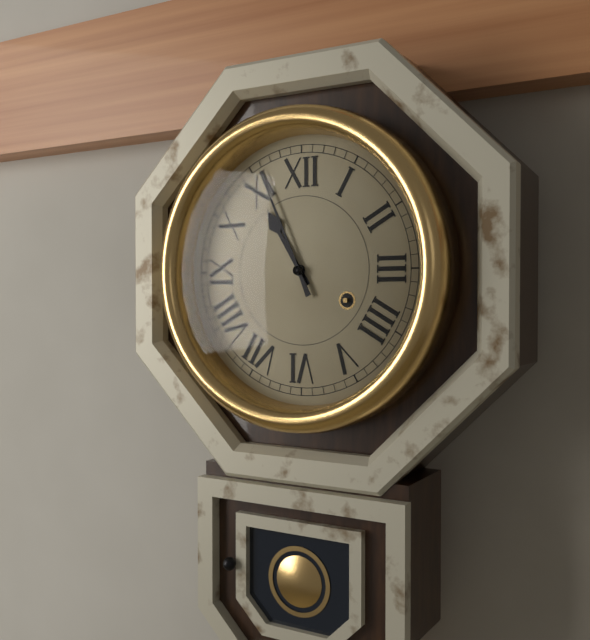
10:56
